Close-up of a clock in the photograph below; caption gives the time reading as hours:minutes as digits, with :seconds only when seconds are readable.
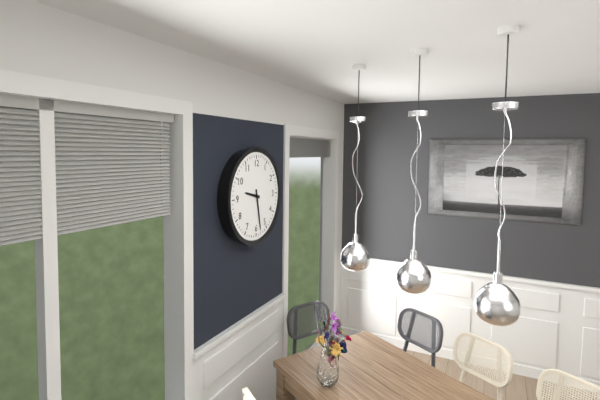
9:28
